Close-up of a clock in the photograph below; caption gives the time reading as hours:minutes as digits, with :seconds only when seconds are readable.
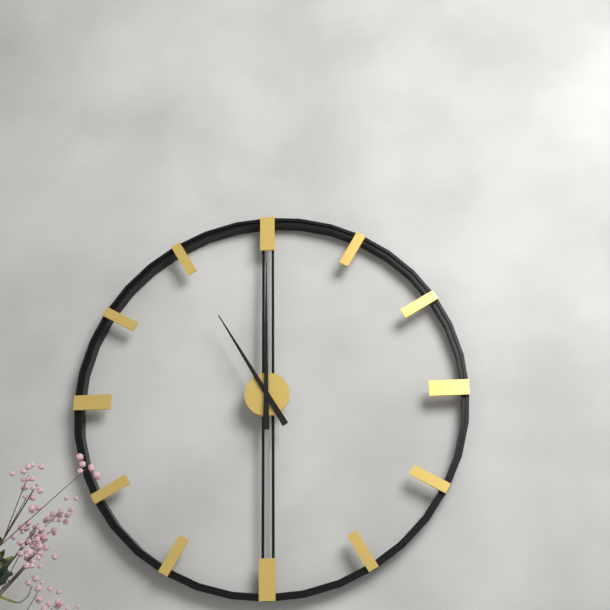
11:00
